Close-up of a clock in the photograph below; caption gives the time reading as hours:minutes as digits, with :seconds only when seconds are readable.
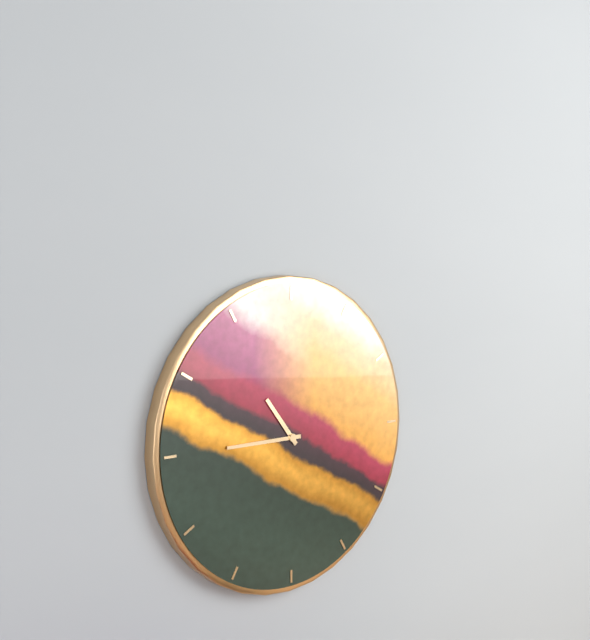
10:45
